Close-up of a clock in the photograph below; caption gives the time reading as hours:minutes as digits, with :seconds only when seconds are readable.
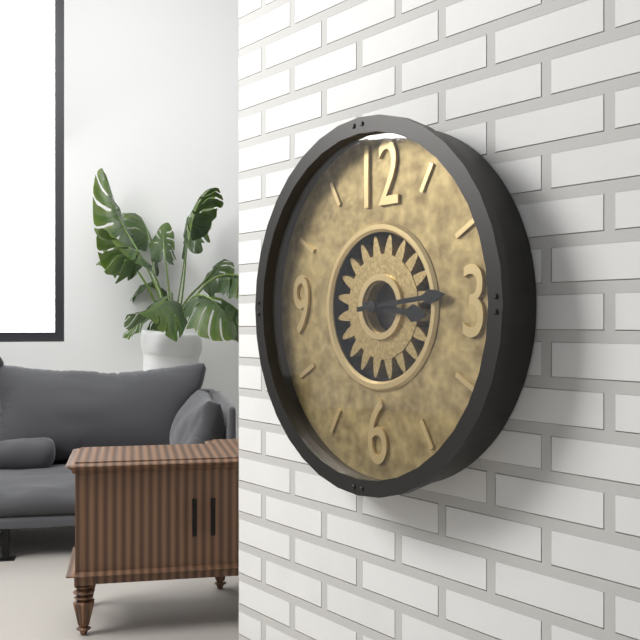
3:14
